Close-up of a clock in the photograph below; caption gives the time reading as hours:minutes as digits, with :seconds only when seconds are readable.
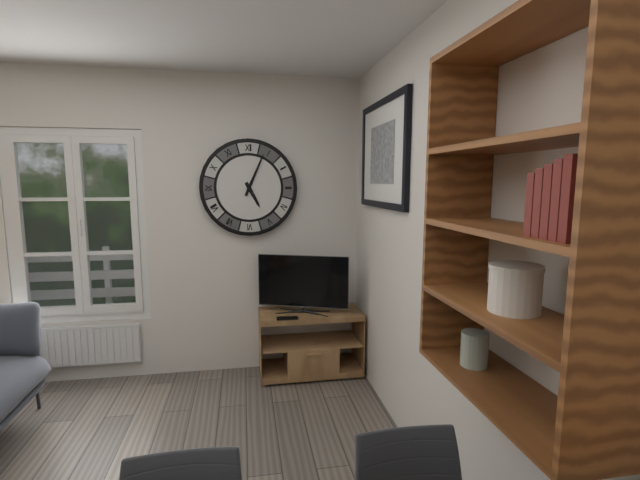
5:04
